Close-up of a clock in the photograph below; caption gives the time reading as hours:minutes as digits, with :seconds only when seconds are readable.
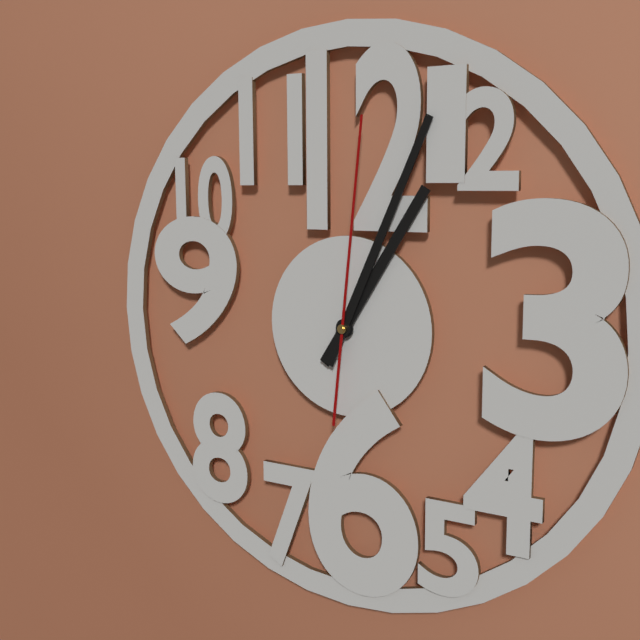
1:04:01
